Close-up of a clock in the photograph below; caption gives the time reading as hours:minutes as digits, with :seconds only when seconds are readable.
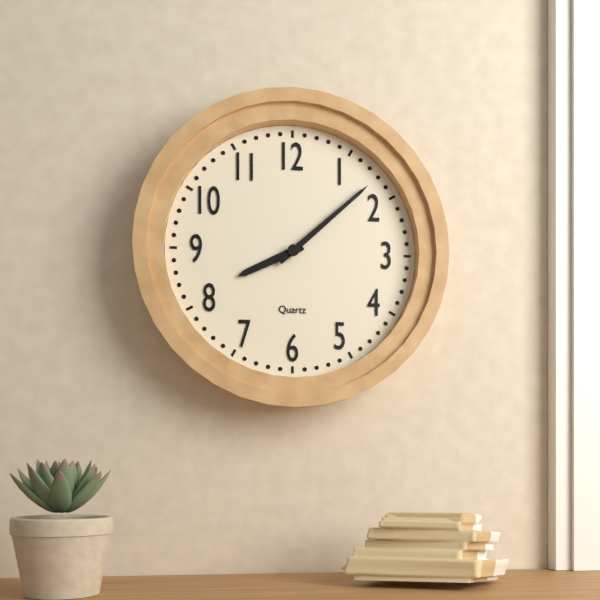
8:08
